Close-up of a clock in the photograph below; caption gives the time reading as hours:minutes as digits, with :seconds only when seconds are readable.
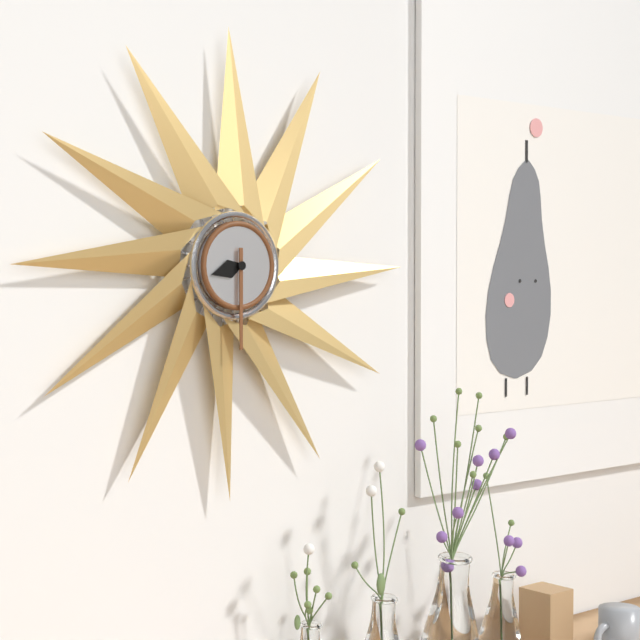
8:30
